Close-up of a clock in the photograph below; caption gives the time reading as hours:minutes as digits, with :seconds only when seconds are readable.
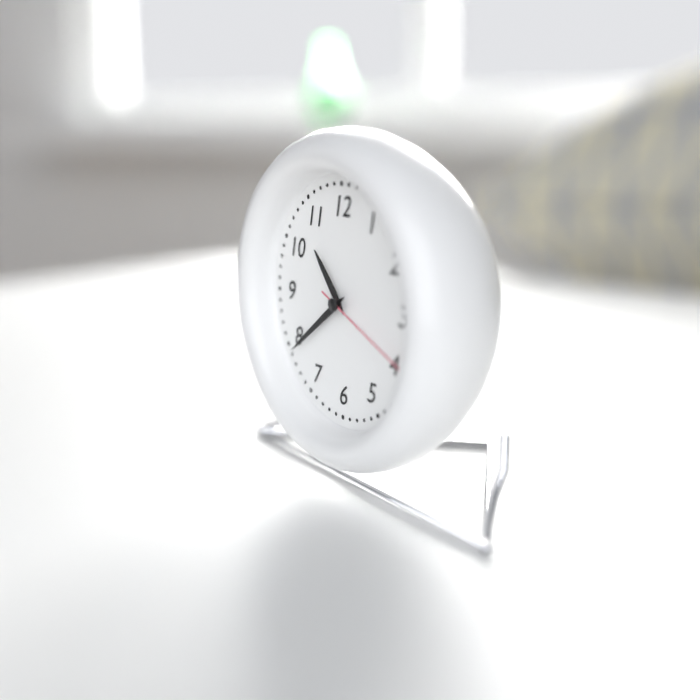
10:39:19
